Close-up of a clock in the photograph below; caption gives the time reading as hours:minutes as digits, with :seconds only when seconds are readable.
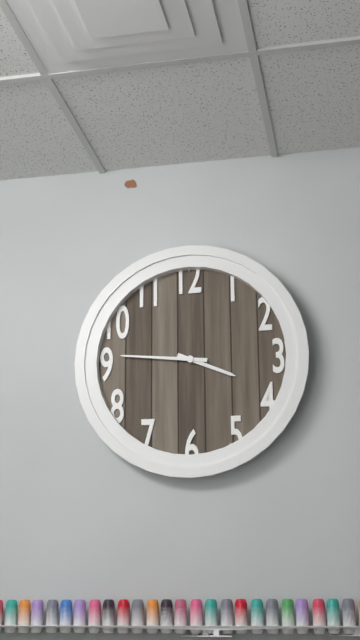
3:46
